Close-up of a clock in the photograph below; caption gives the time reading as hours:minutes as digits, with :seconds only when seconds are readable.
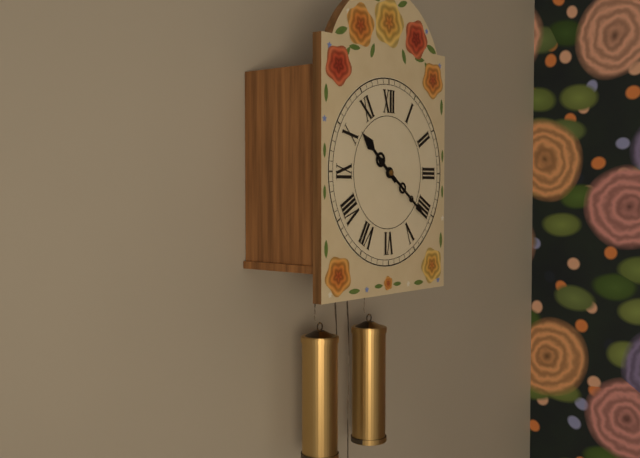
10:21
